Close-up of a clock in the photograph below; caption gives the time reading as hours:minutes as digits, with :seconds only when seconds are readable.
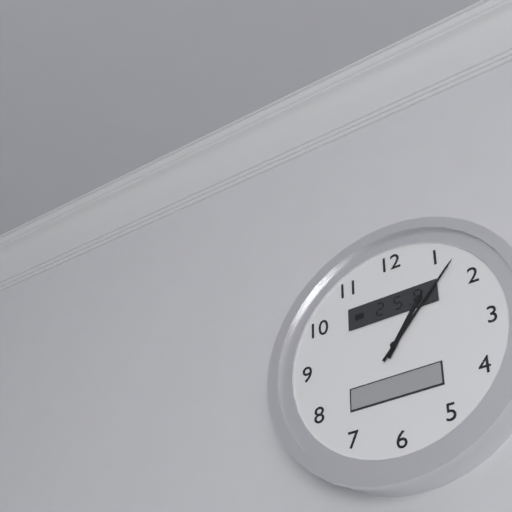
1:07
